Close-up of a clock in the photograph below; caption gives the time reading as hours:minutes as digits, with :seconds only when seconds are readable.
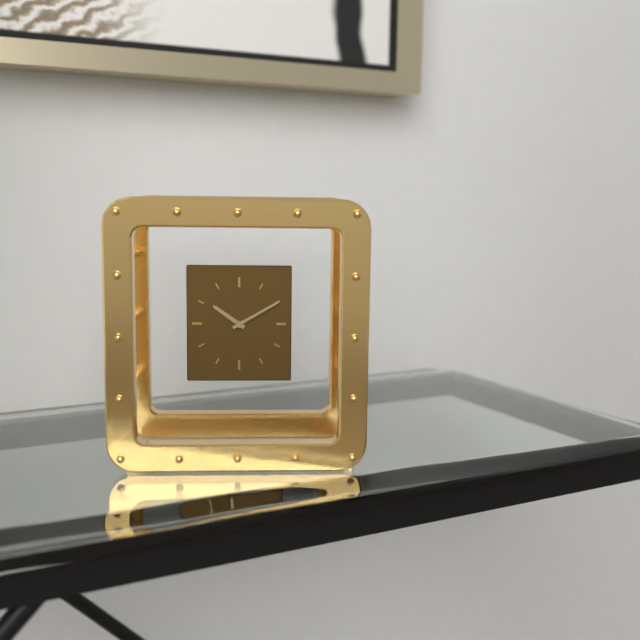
10:10
